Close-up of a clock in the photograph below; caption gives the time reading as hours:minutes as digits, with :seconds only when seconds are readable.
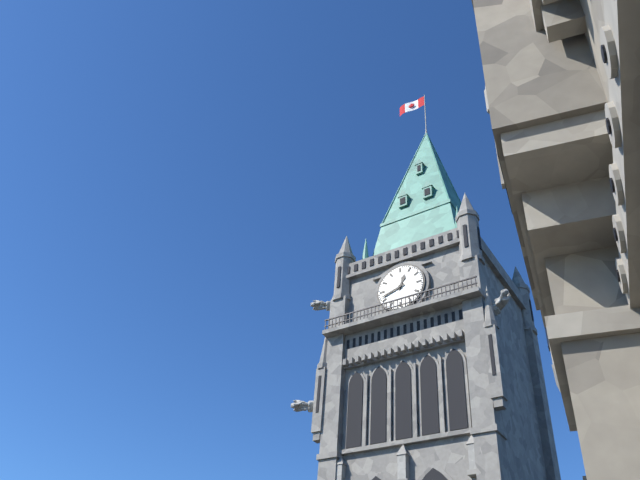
12:42
